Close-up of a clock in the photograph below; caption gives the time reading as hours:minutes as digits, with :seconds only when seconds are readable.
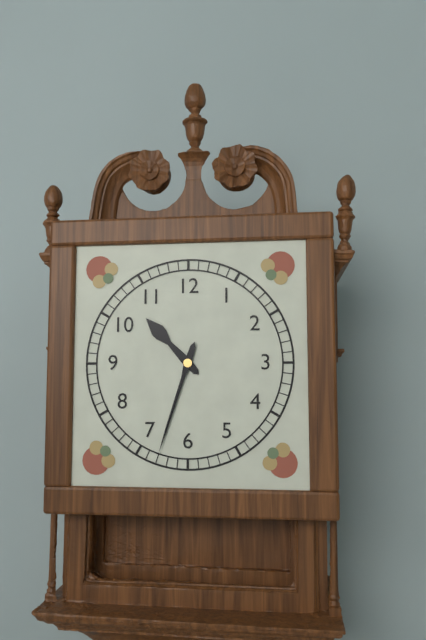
10:33
